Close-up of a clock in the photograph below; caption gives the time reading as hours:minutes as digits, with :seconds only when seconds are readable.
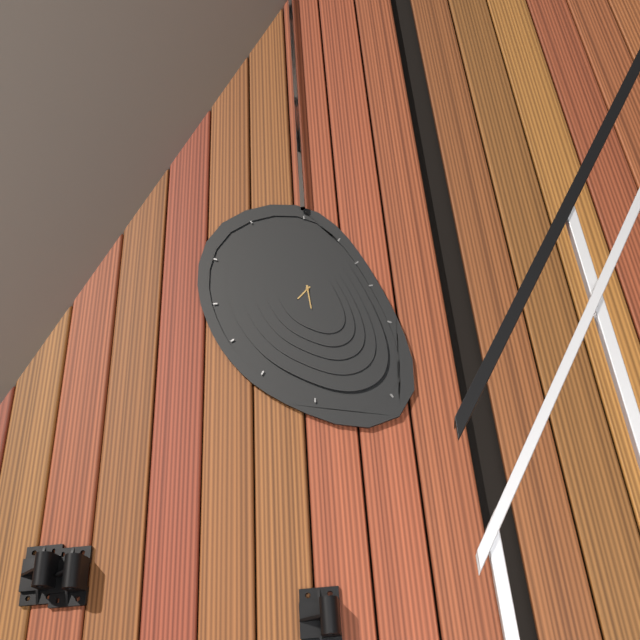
7:29
